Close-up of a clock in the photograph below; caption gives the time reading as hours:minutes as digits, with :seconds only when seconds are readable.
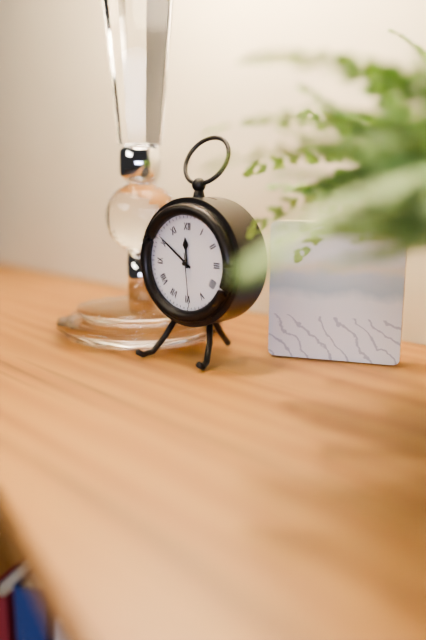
11:51:29
